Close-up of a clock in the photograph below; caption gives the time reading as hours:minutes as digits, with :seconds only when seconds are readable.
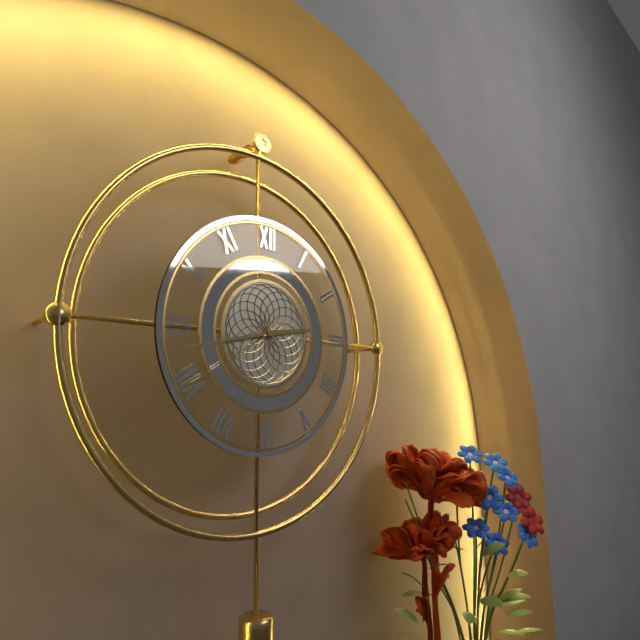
2:43:40
